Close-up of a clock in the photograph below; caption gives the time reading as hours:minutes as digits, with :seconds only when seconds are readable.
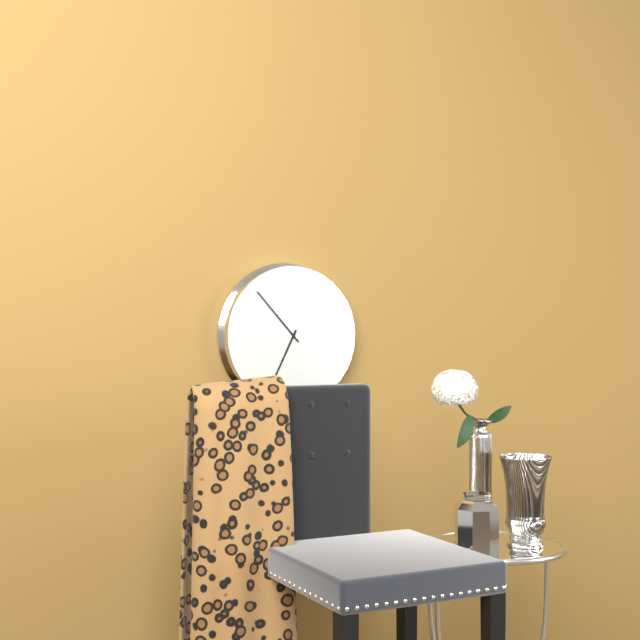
6:53
